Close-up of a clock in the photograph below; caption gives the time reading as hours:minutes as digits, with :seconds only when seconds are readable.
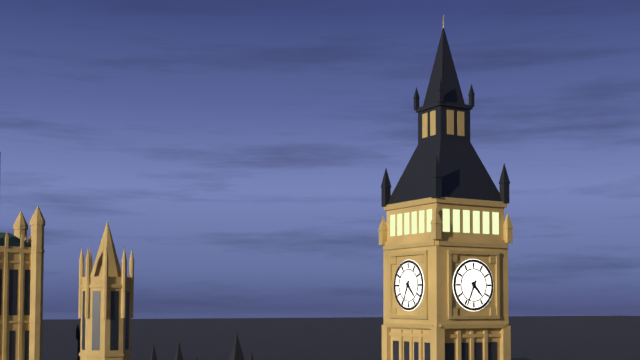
4:34
